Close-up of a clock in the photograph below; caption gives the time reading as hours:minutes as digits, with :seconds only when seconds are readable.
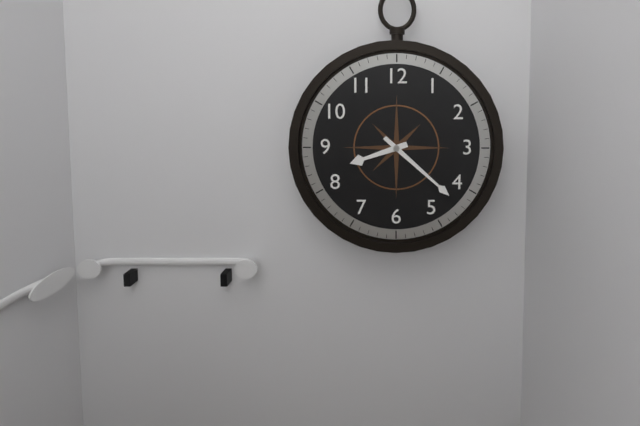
8:22
